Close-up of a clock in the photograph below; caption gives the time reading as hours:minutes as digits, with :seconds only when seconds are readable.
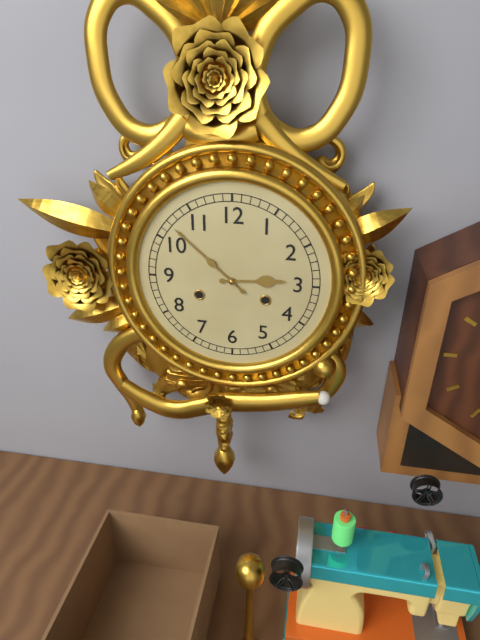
2:52
